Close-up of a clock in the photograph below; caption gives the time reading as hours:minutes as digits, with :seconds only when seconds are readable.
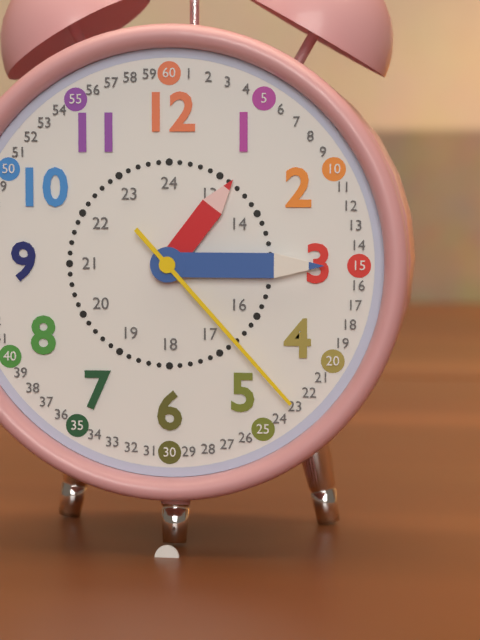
1:15:23
